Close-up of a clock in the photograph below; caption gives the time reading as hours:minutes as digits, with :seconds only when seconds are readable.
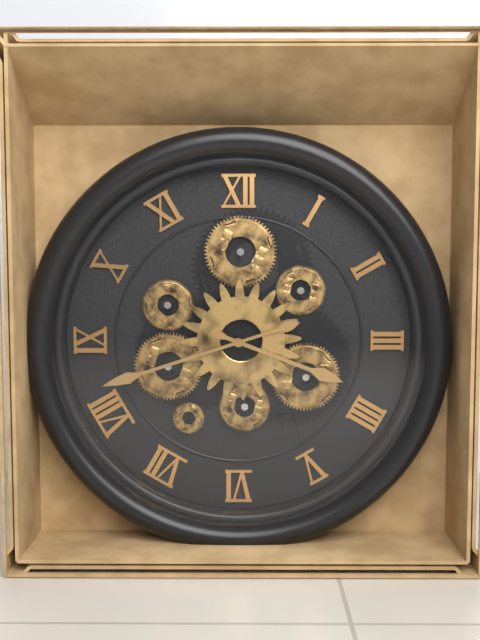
3:42
